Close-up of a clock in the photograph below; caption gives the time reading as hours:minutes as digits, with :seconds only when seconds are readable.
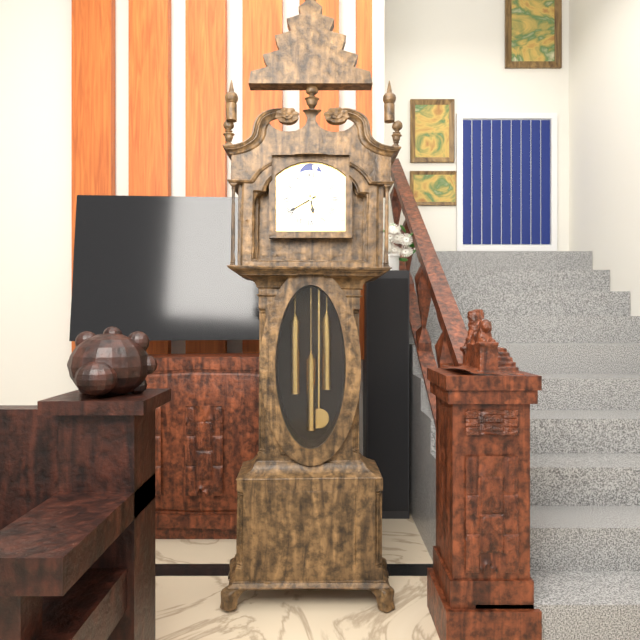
5:40
